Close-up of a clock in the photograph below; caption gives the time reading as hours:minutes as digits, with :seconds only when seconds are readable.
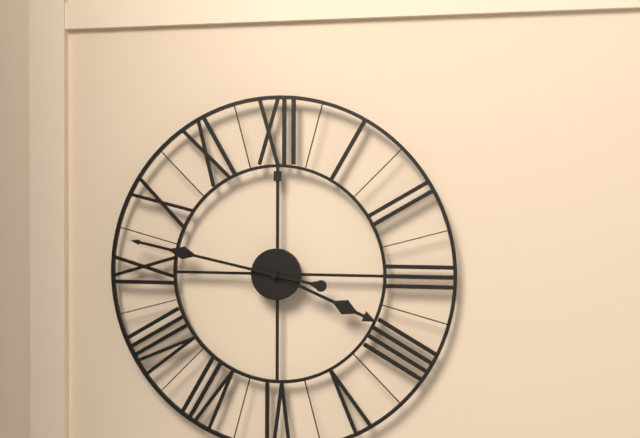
3:47
